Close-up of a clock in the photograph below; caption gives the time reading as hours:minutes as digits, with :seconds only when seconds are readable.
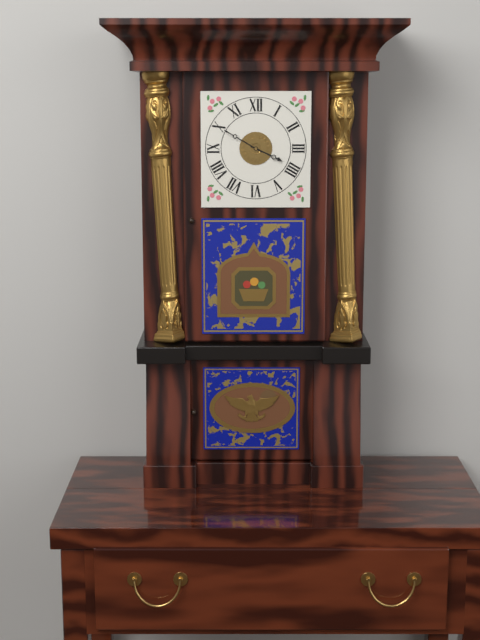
3:50
